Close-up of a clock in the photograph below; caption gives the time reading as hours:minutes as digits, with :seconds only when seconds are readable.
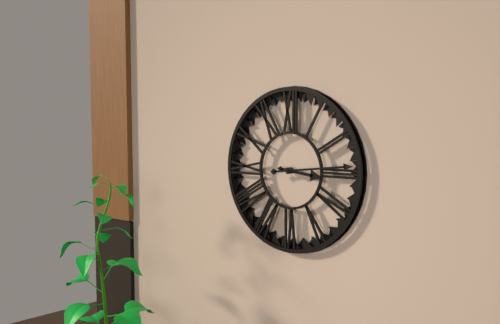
3:14
